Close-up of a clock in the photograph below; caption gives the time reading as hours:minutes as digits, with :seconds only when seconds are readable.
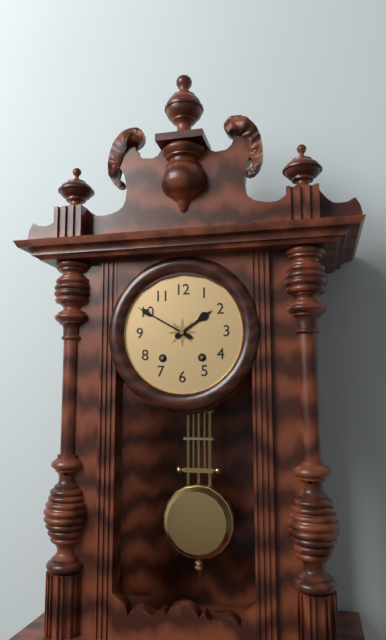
1:50
